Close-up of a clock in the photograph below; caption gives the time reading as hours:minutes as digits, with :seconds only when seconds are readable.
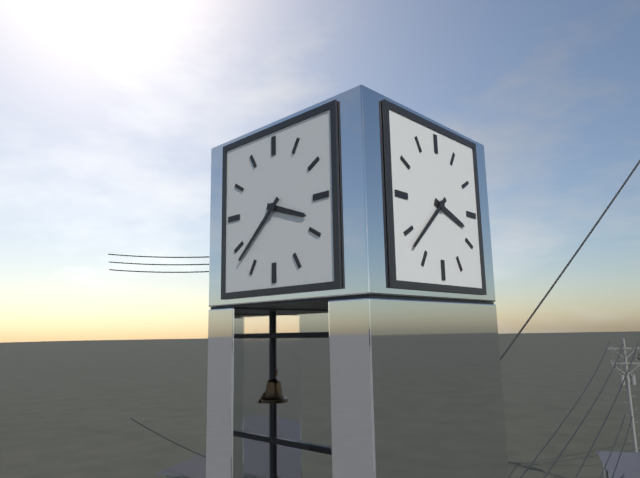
3:38
